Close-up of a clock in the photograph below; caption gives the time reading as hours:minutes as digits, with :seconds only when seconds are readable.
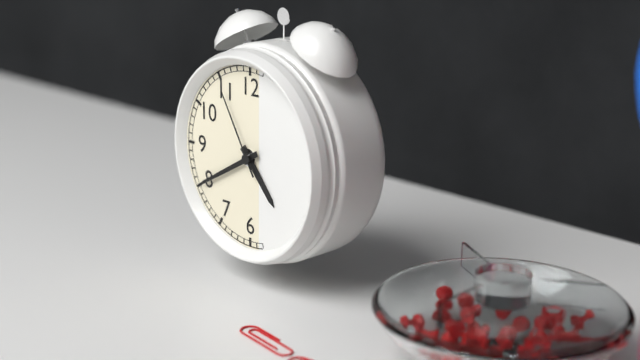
4:40:55
